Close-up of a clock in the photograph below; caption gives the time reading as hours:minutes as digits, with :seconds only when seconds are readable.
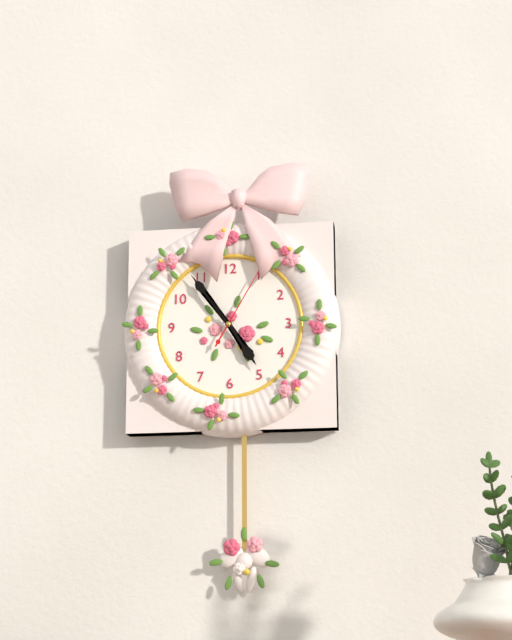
4:54:05
